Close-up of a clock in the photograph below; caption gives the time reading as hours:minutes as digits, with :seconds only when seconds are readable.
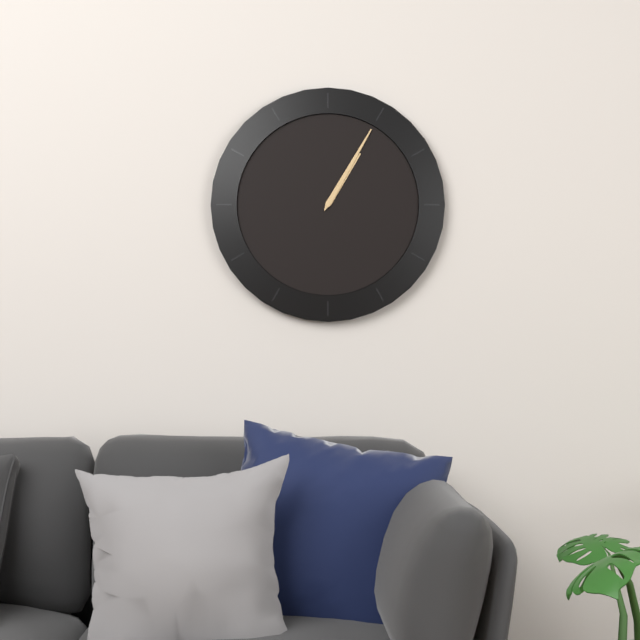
1:05
